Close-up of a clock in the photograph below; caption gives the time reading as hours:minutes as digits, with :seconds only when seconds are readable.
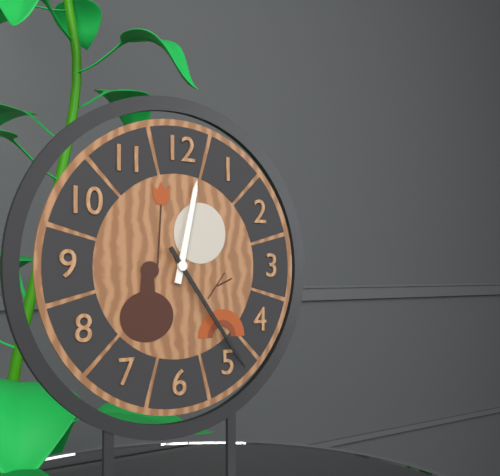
12:24
